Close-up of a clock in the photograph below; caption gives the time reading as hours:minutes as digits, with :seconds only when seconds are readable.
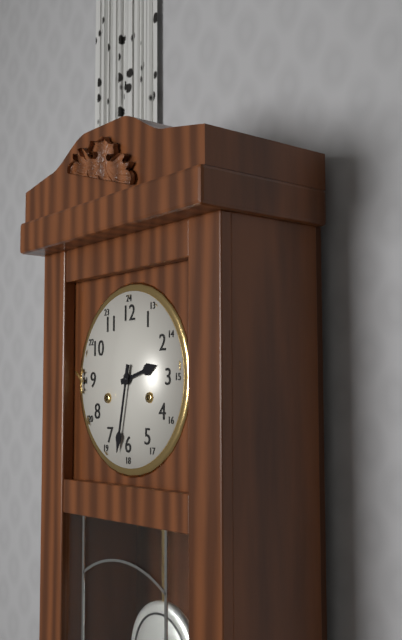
2:32
